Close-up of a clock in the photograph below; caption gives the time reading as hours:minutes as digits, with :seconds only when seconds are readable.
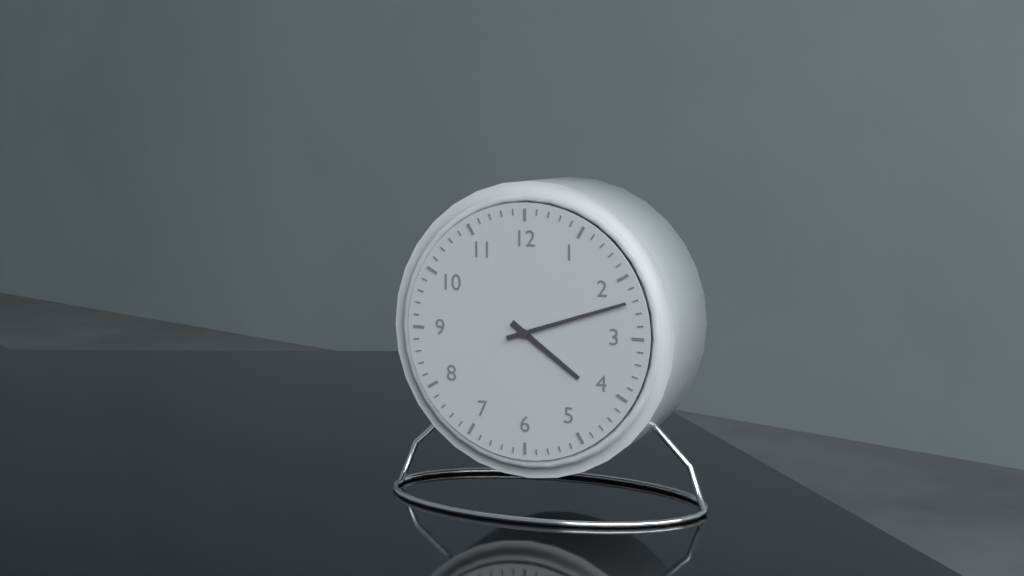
4:12
